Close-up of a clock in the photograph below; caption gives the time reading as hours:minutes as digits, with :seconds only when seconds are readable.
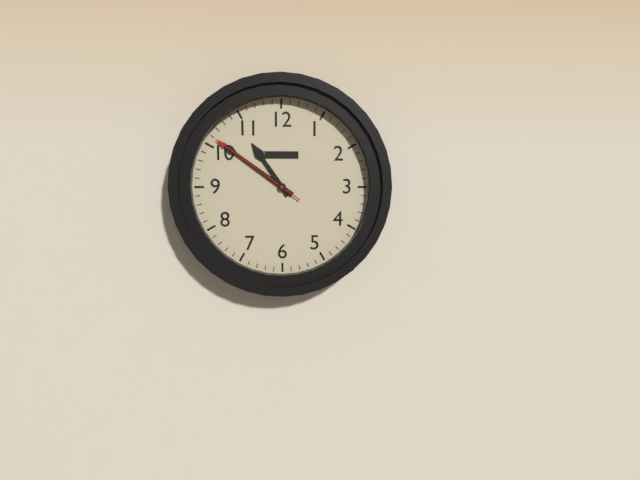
10:51:51
